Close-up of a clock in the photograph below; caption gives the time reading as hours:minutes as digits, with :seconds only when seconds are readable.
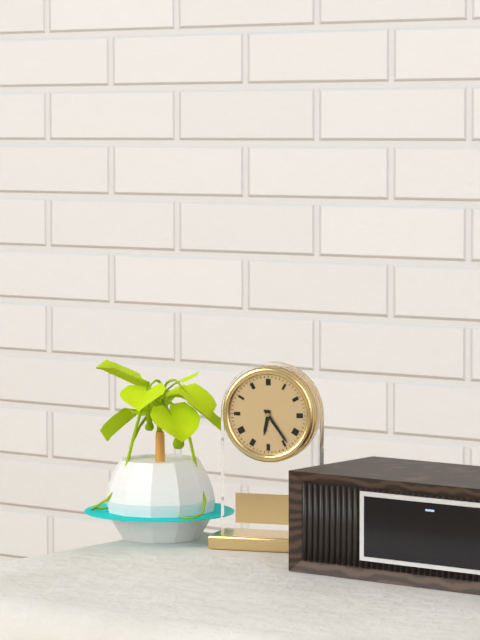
6:24
